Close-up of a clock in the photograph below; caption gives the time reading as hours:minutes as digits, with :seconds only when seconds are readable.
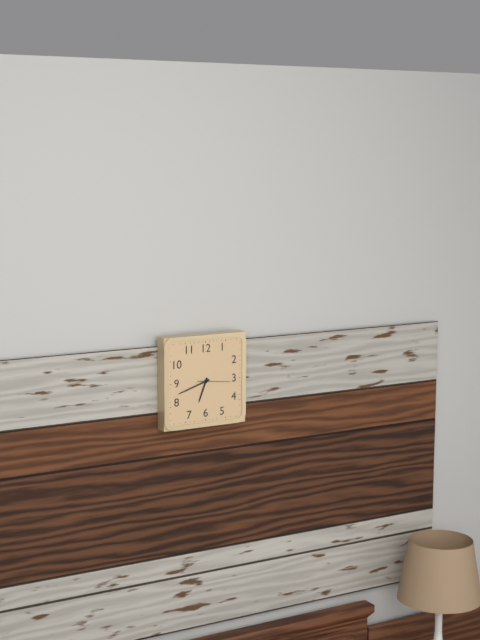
6:42
